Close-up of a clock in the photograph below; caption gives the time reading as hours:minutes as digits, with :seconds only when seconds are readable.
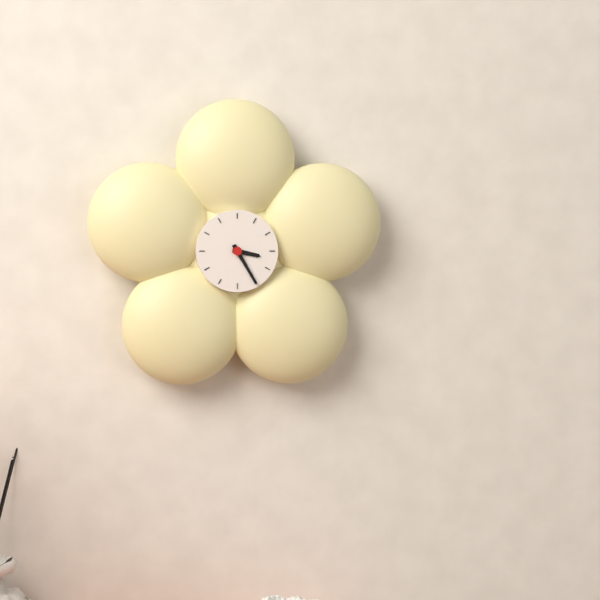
3:25
